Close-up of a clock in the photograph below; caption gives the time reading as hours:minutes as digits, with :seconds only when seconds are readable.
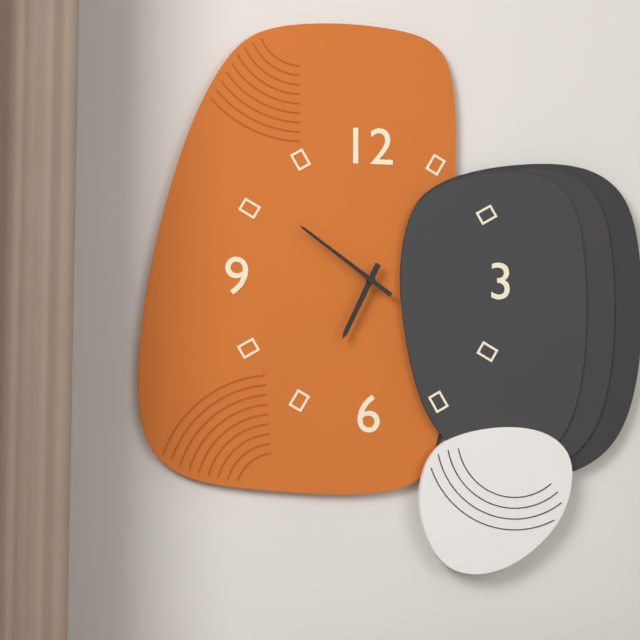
6:51
